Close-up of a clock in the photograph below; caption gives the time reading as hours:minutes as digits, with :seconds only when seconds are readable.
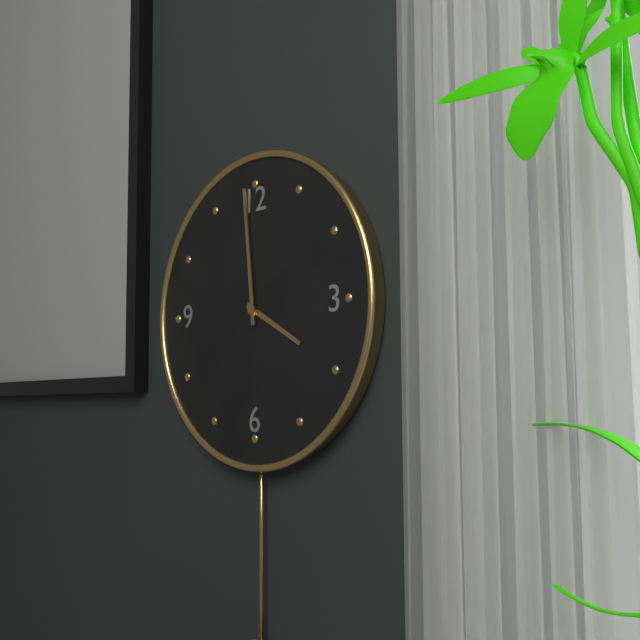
3:59
